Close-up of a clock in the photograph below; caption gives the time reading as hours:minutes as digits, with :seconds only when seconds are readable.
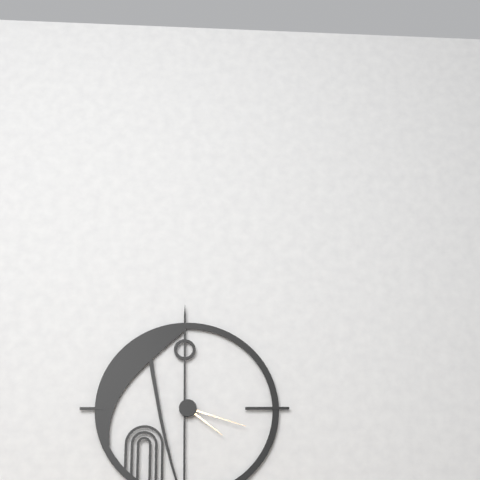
4:18
